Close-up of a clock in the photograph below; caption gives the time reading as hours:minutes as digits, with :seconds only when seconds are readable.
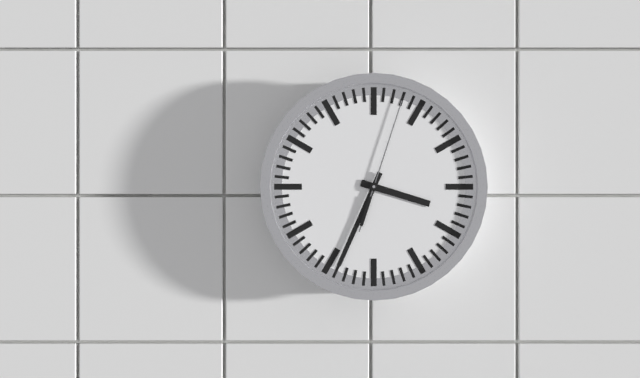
3:34:03
